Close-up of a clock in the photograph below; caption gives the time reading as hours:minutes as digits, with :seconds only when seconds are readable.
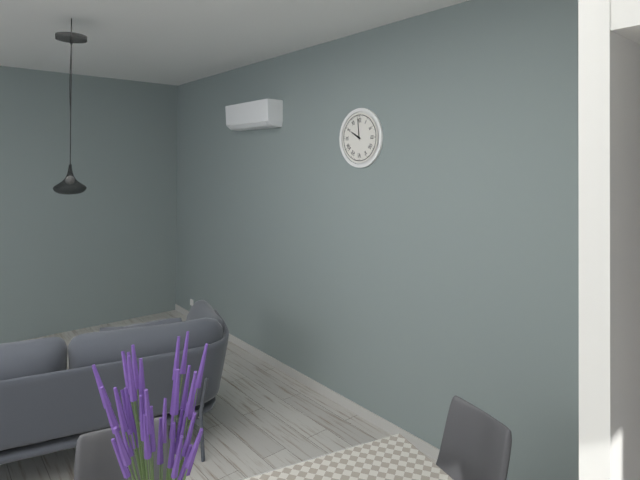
9:59
